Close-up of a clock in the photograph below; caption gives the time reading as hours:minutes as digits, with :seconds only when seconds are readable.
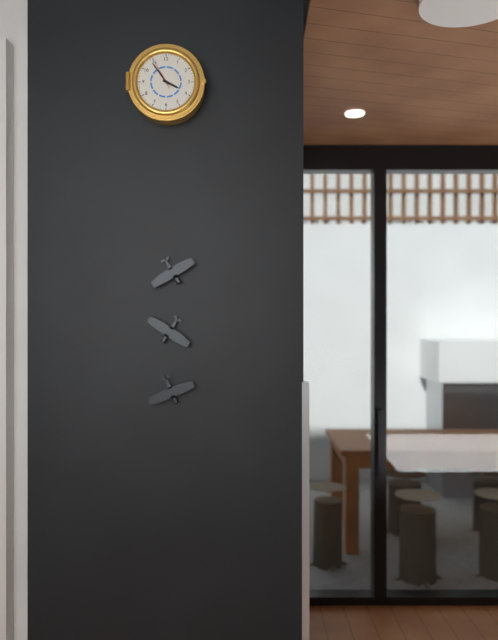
3:54
